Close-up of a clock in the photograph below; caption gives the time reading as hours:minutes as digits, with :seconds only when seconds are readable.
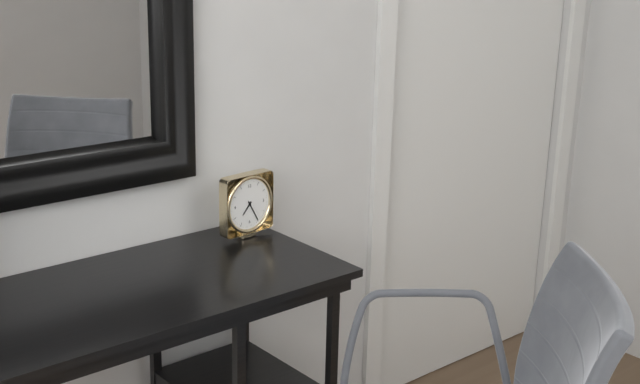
7:25
